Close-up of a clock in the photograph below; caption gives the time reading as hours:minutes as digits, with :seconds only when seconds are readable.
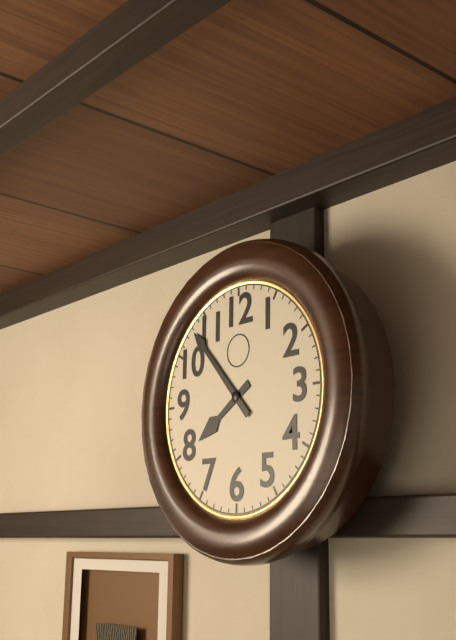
7:53
